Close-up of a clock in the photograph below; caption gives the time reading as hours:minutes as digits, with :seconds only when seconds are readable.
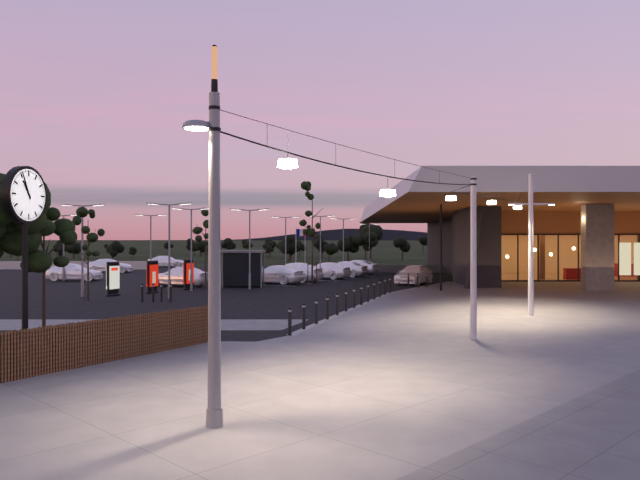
10:56
